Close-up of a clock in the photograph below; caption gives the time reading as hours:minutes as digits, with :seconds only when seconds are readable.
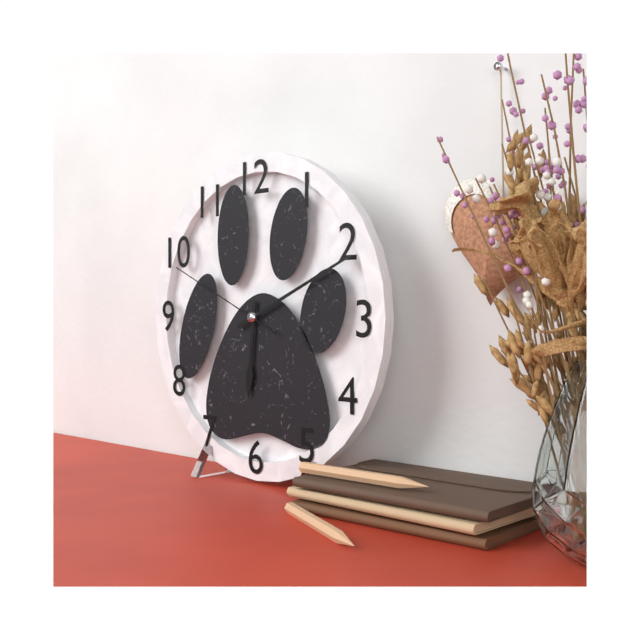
6:11:49
